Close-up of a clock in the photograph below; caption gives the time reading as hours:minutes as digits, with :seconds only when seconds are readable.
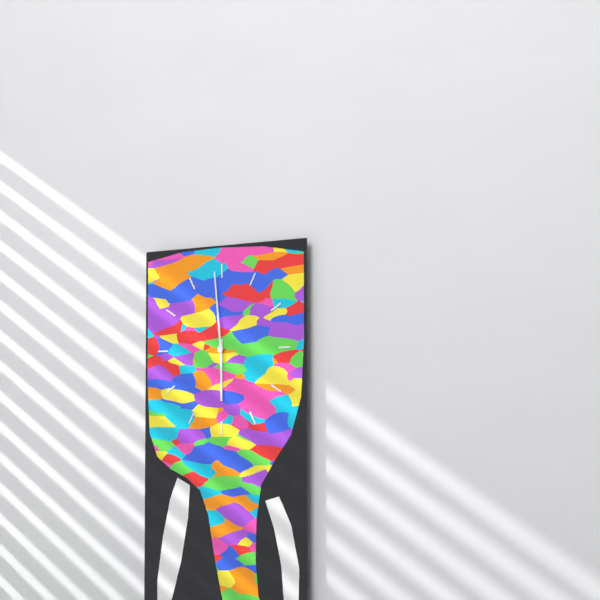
5:59
